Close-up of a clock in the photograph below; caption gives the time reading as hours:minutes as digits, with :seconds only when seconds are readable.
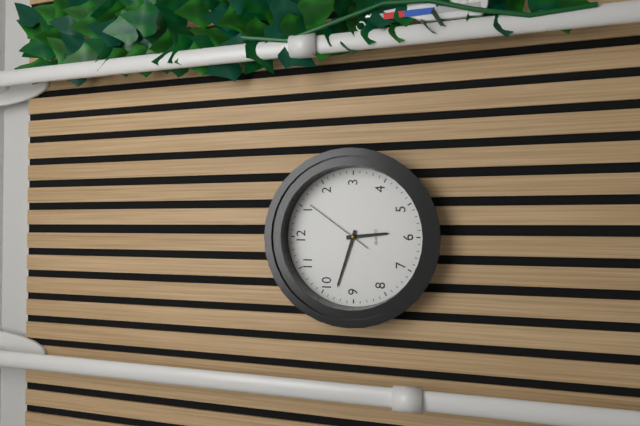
5:48:06
